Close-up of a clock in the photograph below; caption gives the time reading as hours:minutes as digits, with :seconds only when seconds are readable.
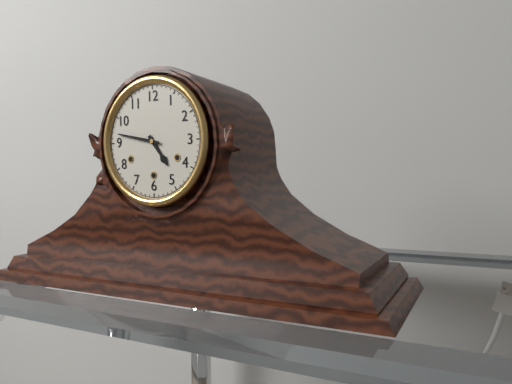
4:47
